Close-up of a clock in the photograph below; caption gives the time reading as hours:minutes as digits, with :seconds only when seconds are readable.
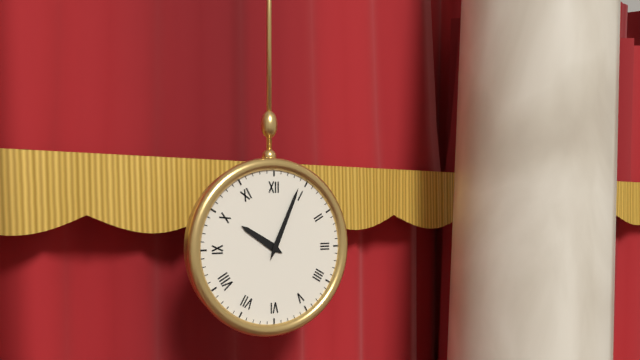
10:04
